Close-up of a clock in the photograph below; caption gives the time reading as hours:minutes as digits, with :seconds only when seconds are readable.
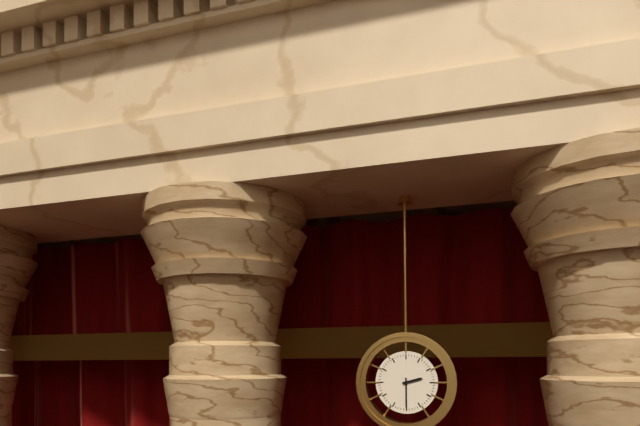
2:30
